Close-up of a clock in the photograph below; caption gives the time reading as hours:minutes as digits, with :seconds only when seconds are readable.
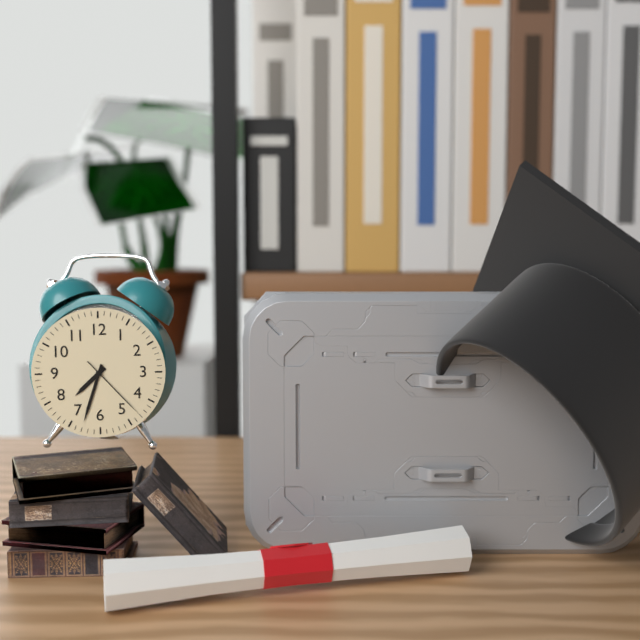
7:33:23
